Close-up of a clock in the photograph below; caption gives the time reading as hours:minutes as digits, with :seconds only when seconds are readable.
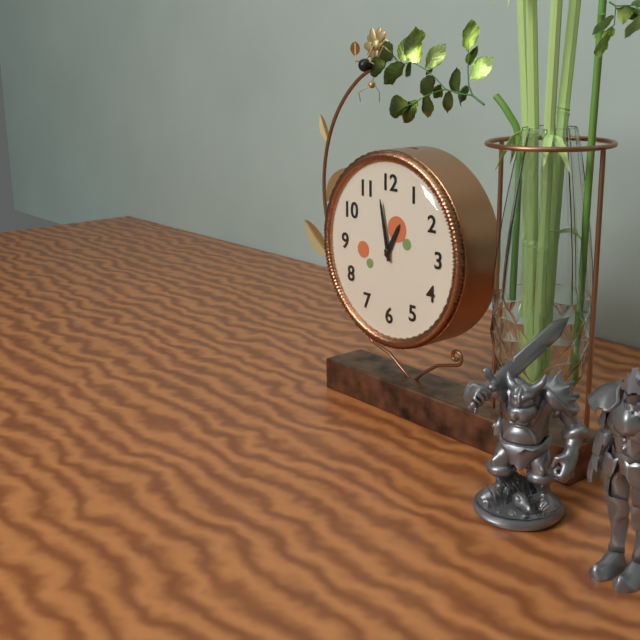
12:58
